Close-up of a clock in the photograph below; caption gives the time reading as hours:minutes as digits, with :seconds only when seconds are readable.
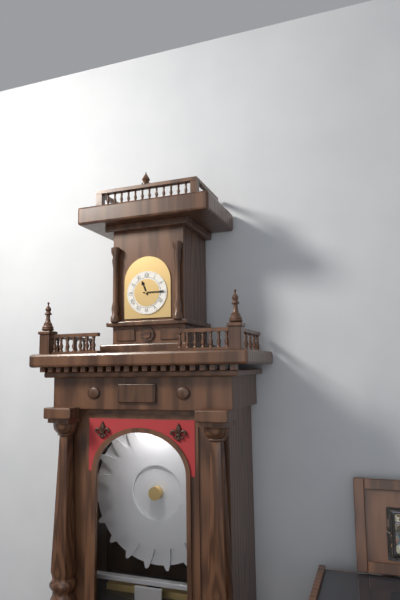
11:15
